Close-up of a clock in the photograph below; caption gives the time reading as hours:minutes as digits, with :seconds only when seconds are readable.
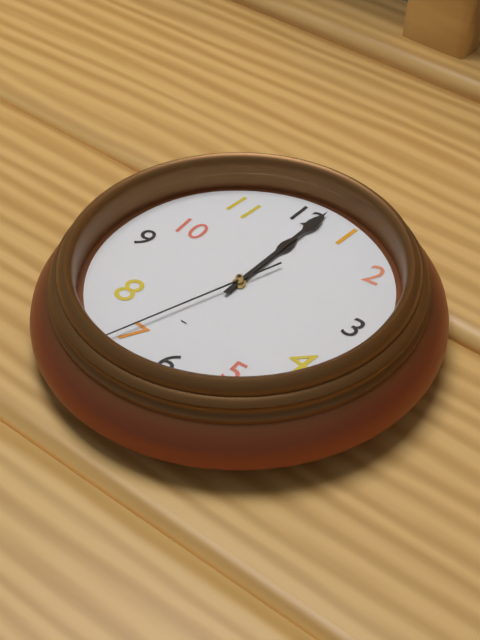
12:00:33
